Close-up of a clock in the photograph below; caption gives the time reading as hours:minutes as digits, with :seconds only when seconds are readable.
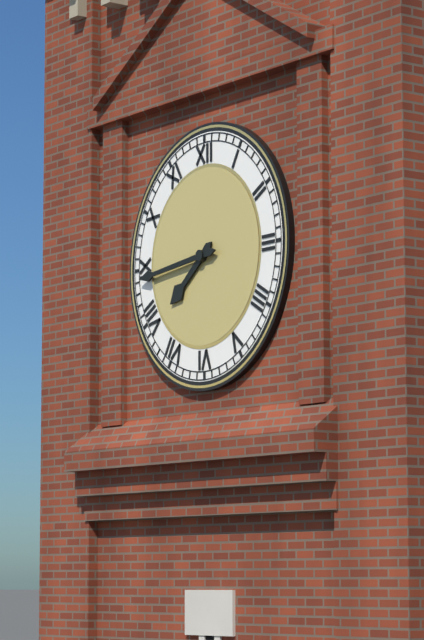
7:44
